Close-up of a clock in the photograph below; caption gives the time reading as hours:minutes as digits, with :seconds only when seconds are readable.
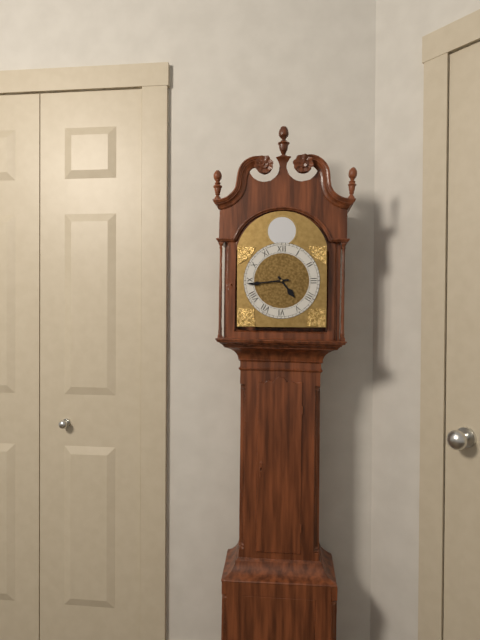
4:44
